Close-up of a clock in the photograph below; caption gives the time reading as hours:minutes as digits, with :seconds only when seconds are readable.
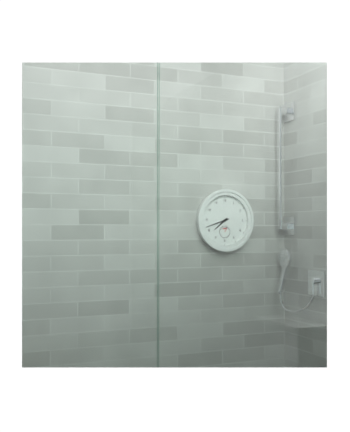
7:42
